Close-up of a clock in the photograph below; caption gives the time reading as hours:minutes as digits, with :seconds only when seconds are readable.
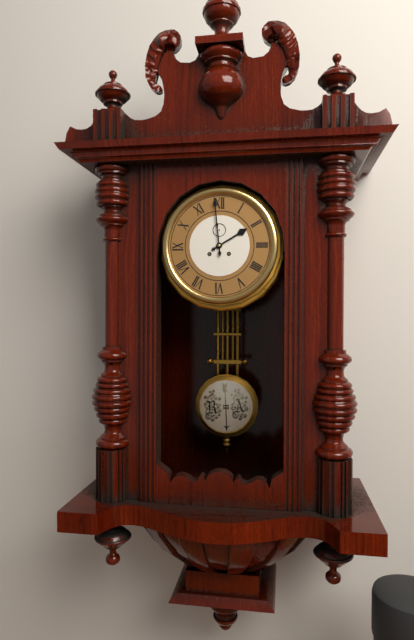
1:59
